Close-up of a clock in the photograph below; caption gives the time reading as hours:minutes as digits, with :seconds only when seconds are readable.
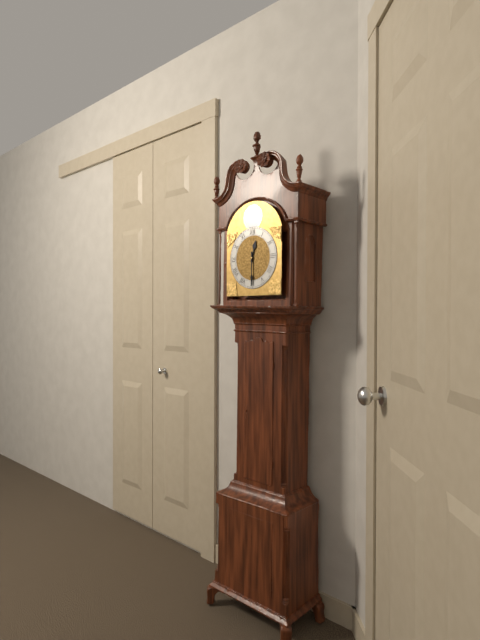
12:30
